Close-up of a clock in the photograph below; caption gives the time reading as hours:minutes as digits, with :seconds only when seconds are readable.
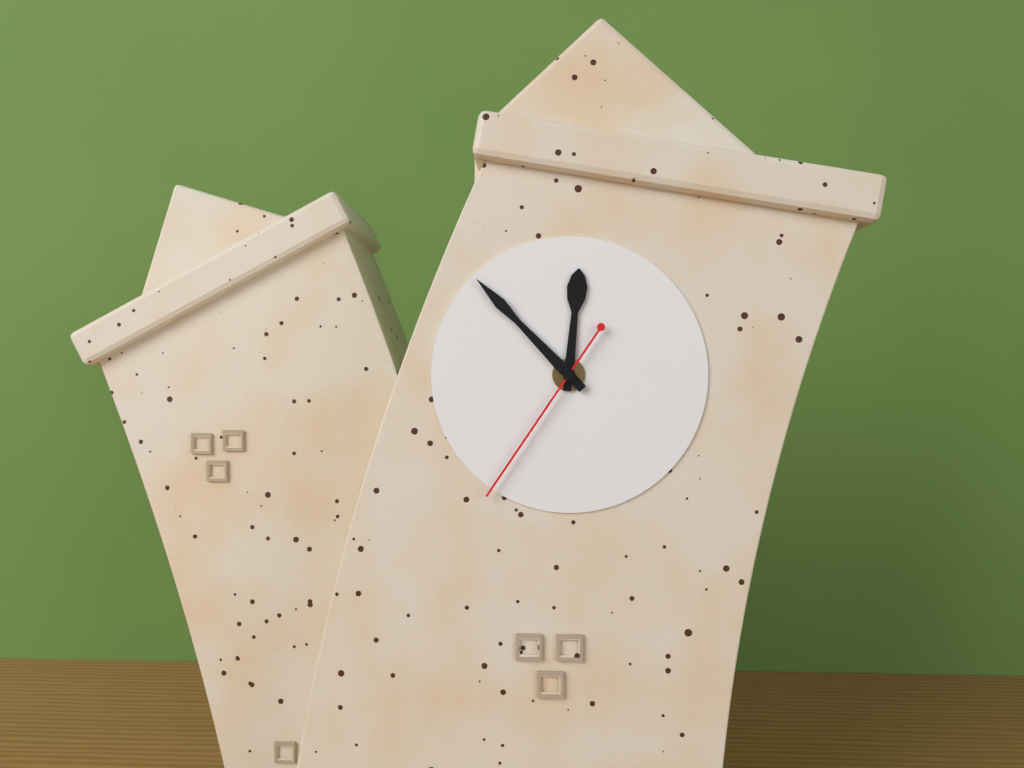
11:51:34
